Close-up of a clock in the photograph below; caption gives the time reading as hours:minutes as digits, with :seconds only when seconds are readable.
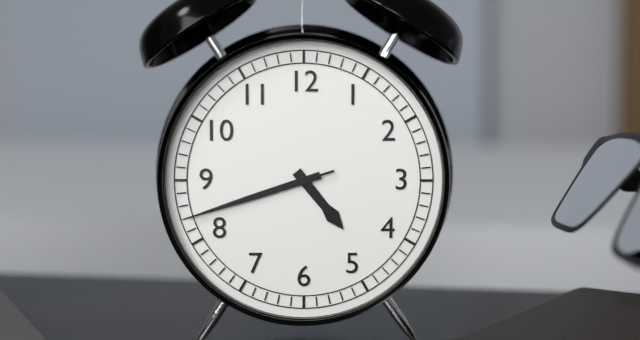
4:42:42
